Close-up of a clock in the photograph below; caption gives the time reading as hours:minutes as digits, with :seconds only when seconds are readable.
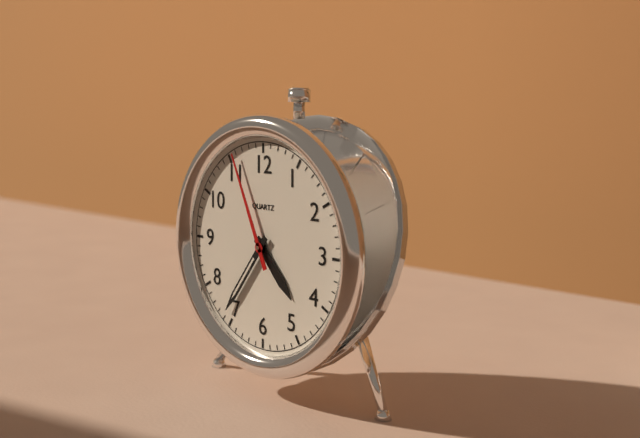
4:36:56
